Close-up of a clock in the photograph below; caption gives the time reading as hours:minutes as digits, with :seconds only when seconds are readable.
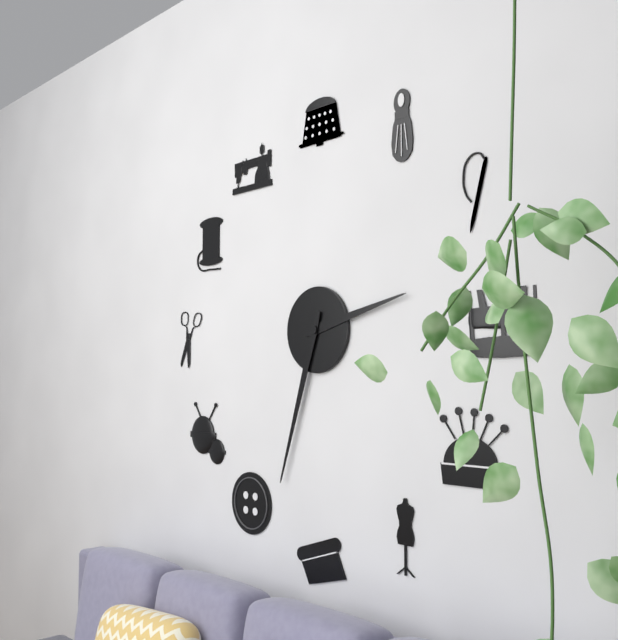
2:33
